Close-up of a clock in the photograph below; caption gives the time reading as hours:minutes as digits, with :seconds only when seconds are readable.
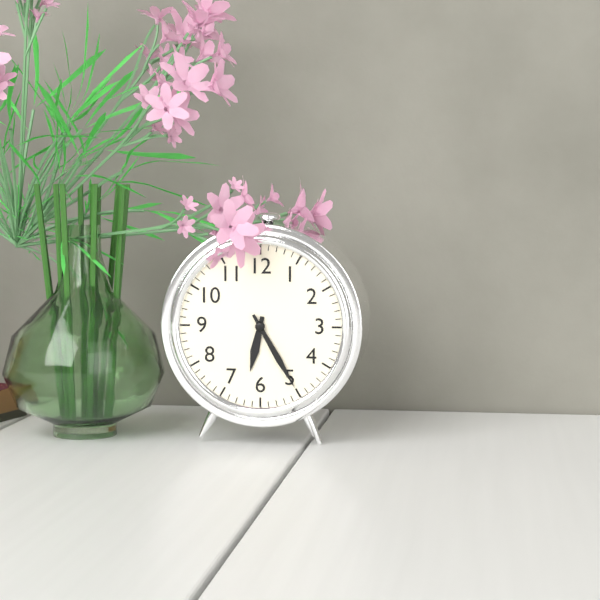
6:25
